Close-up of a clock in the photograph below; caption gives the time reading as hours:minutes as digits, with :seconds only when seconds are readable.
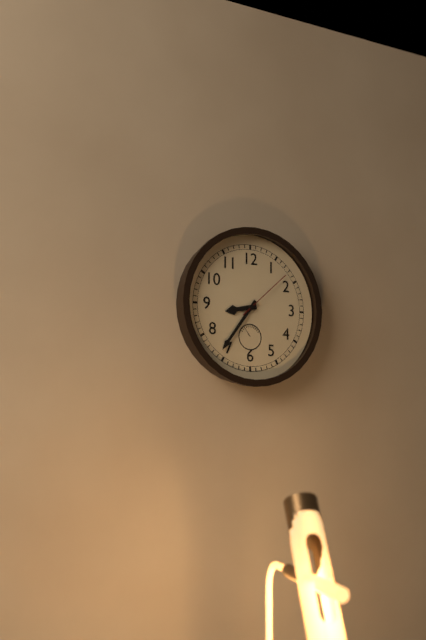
8:36:08
